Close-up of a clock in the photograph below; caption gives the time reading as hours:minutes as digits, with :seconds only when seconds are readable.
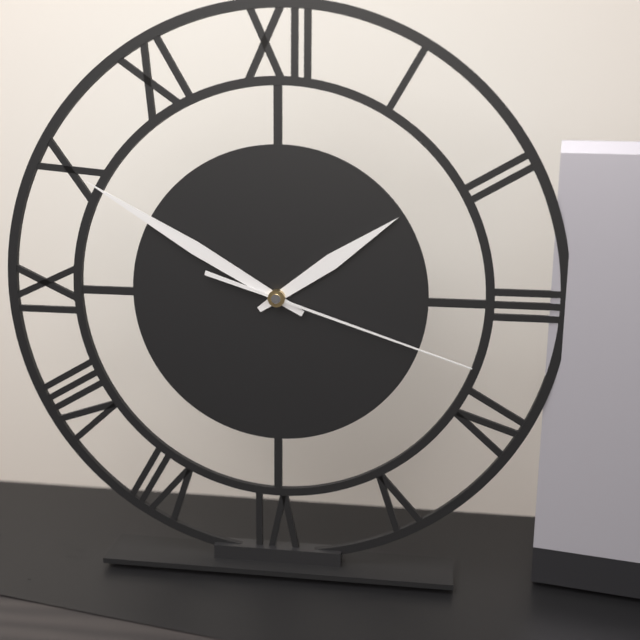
1:50:18
